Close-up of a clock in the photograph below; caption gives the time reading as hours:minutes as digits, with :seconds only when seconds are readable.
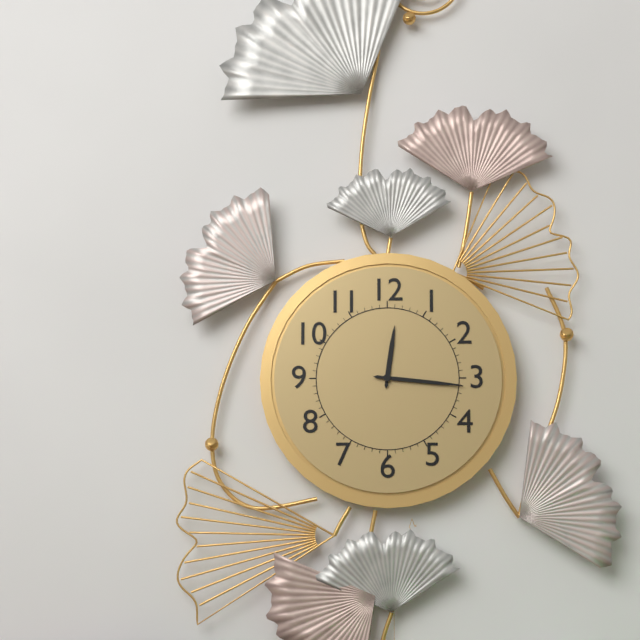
12:16
